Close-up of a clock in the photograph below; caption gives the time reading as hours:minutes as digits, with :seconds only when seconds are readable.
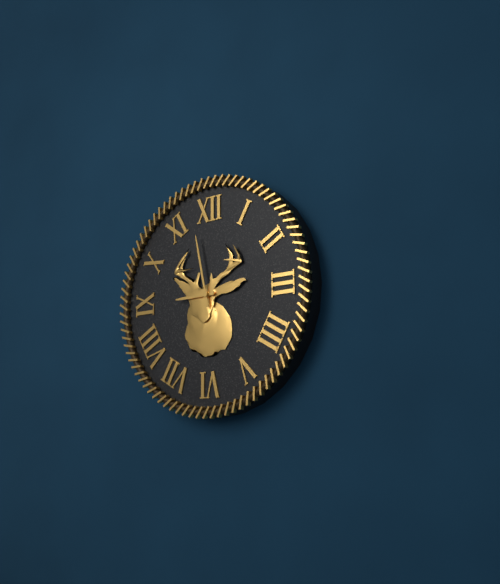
8:58
